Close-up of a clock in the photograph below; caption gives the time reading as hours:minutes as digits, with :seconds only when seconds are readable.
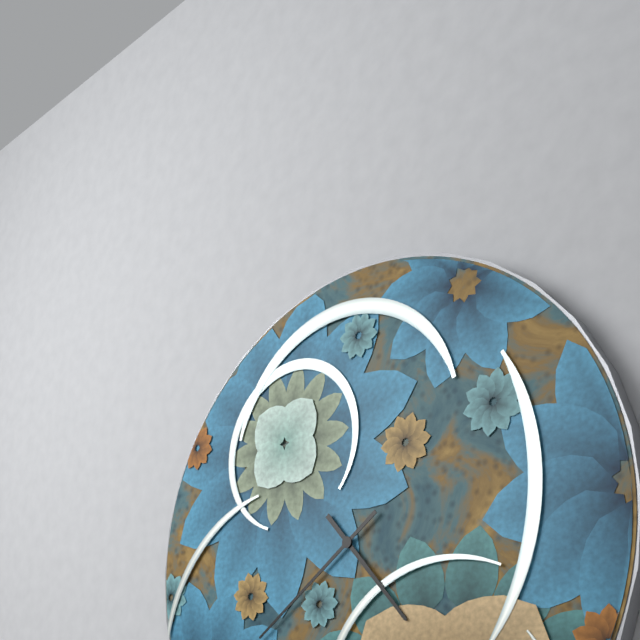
4:39
